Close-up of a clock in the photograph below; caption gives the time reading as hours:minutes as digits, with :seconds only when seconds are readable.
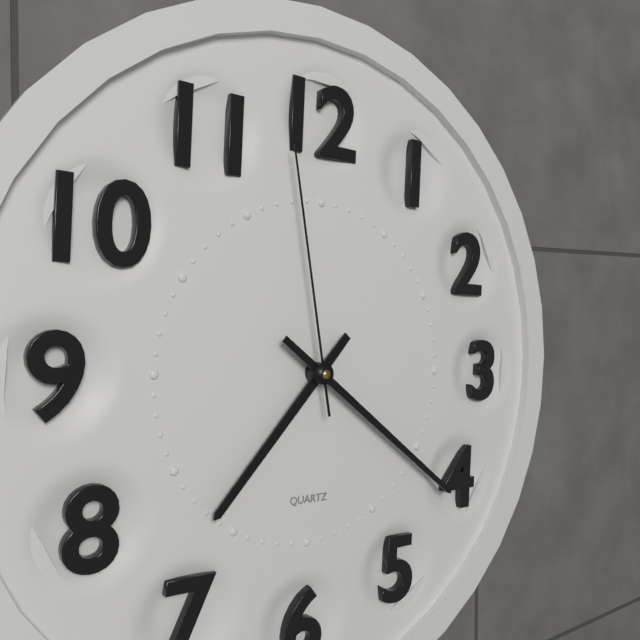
7:21:58
